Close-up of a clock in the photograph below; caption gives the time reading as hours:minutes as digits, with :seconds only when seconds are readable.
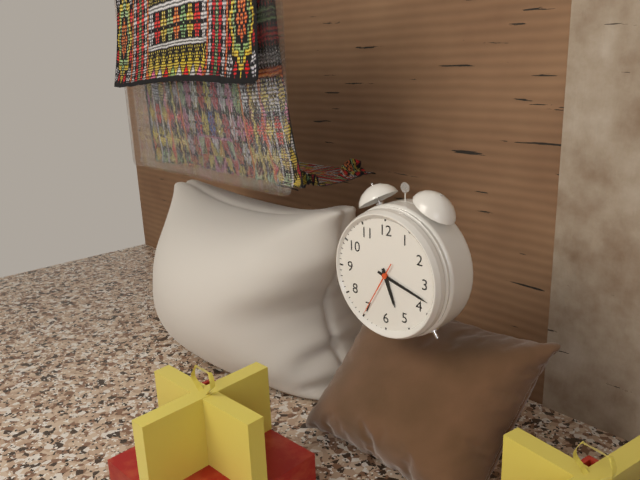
5:18:35
